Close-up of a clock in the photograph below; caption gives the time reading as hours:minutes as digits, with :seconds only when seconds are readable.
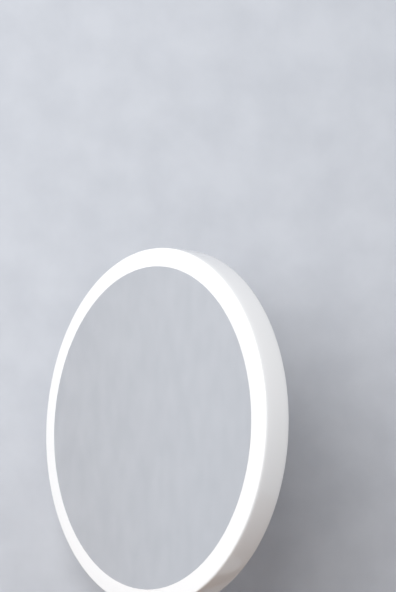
4:41
